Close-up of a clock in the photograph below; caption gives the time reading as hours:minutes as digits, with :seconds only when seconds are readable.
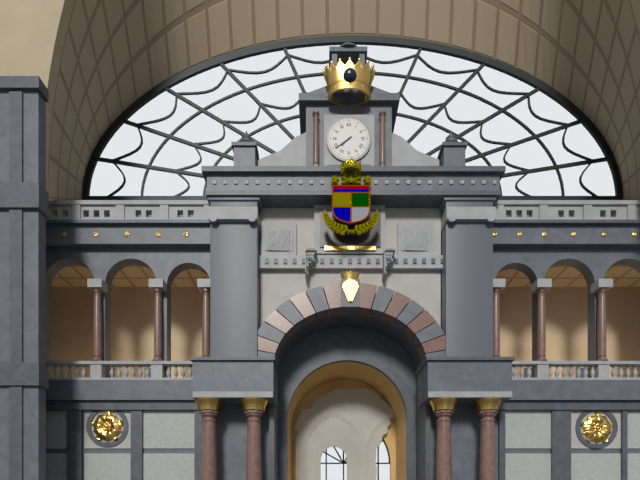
7:39
